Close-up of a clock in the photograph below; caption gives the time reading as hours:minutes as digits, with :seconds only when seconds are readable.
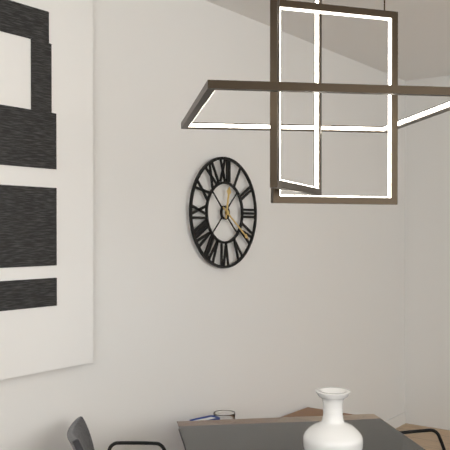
12:21
